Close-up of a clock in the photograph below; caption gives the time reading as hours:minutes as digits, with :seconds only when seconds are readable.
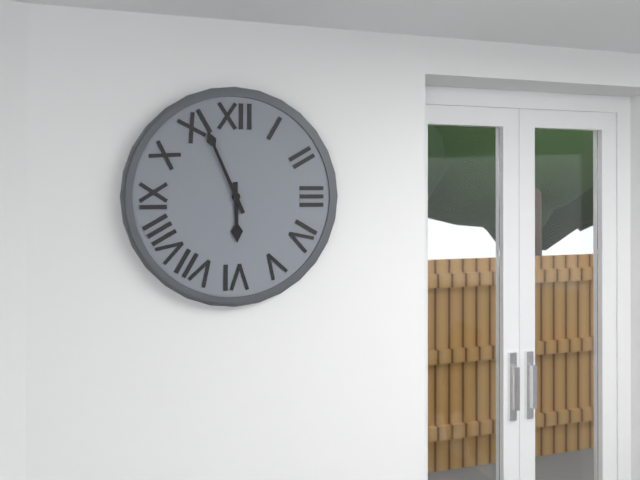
5:56
